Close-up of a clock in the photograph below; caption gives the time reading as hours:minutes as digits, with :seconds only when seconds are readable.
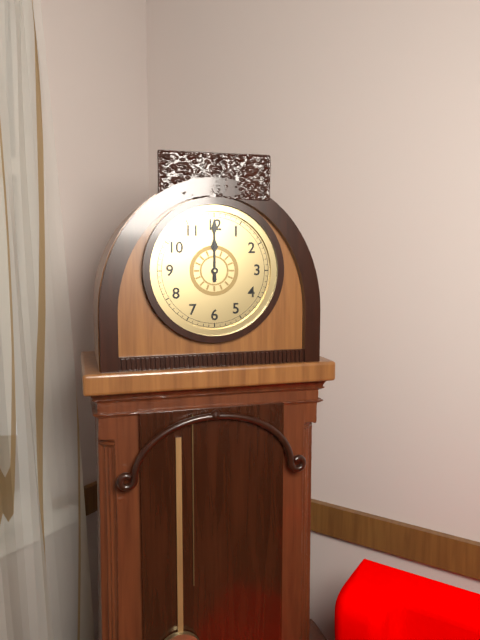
12:00
